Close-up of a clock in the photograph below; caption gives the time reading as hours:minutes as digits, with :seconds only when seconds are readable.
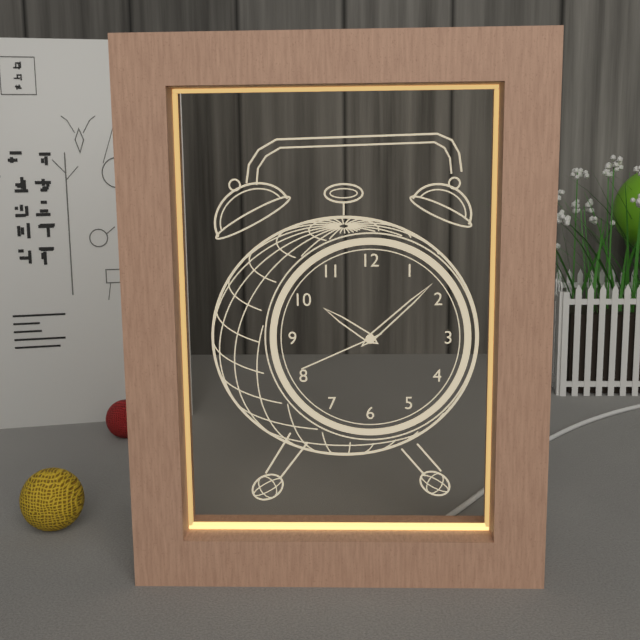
10:08:41
